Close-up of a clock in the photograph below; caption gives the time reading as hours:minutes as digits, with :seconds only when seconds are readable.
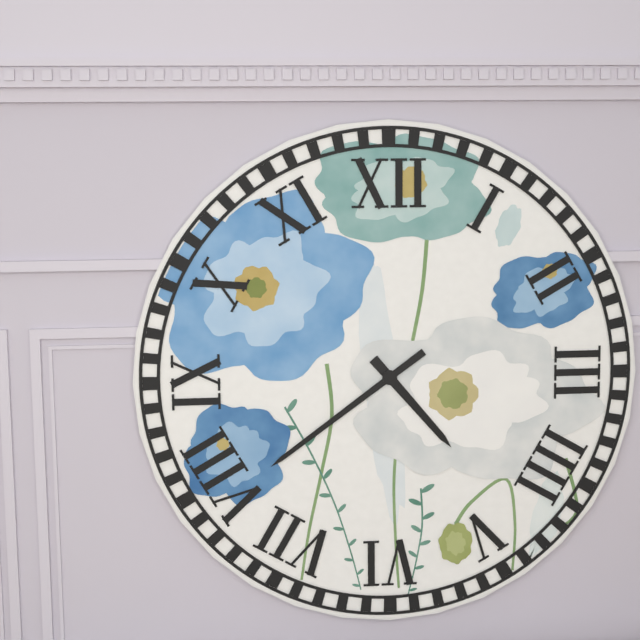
4:39
